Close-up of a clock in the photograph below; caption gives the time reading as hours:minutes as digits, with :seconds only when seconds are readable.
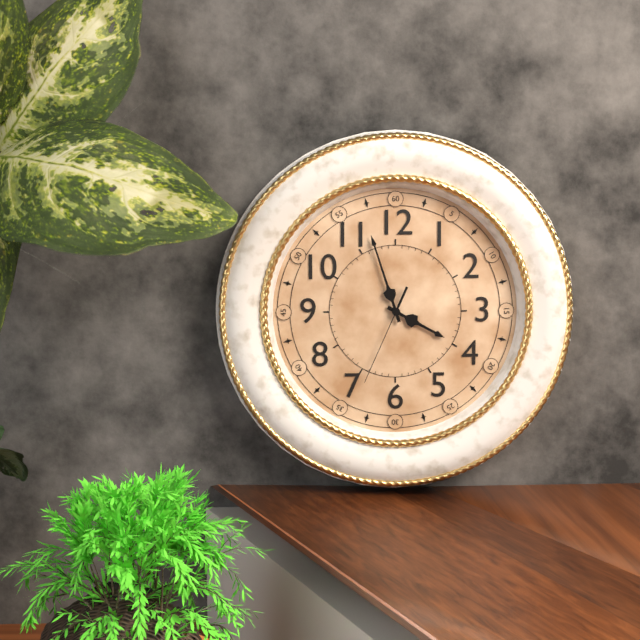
3:57:34
